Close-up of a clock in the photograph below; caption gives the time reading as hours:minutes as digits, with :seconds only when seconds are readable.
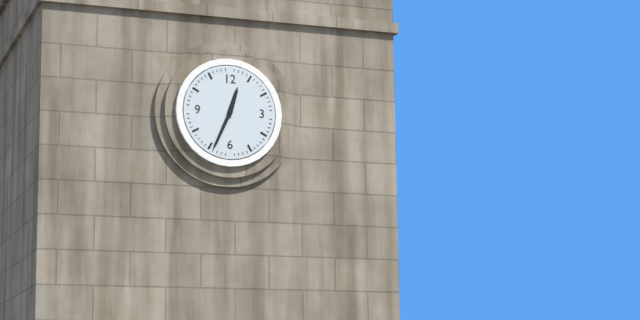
12:34
